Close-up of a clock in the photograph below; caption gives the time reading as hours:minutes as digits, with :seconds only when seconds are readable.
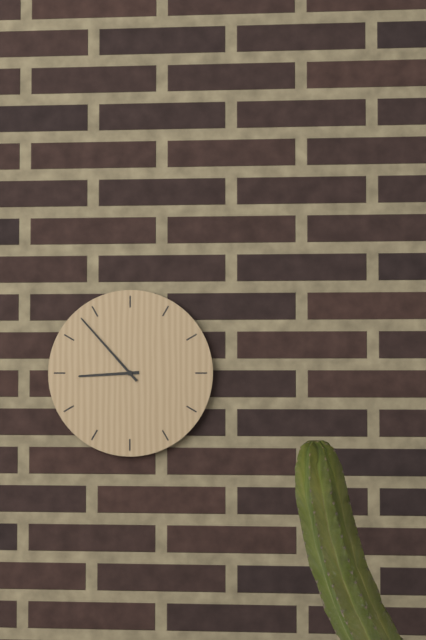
8:53
